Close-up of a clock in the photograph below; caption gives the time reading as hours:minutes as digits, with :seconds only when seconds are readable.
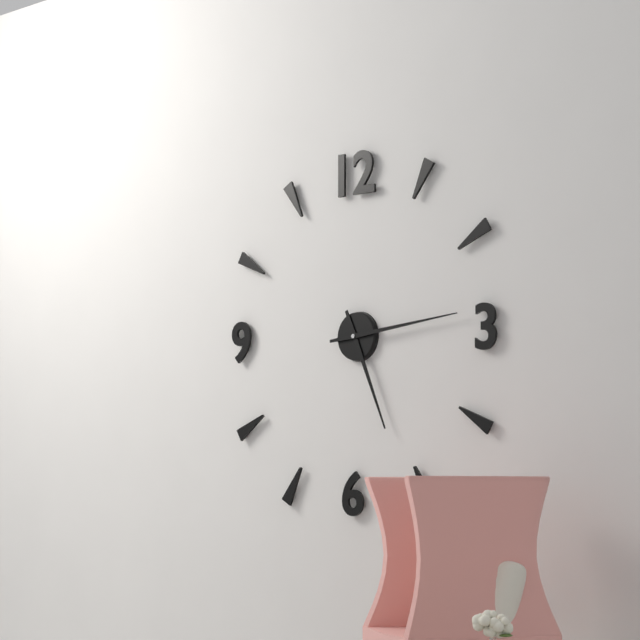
5:14
